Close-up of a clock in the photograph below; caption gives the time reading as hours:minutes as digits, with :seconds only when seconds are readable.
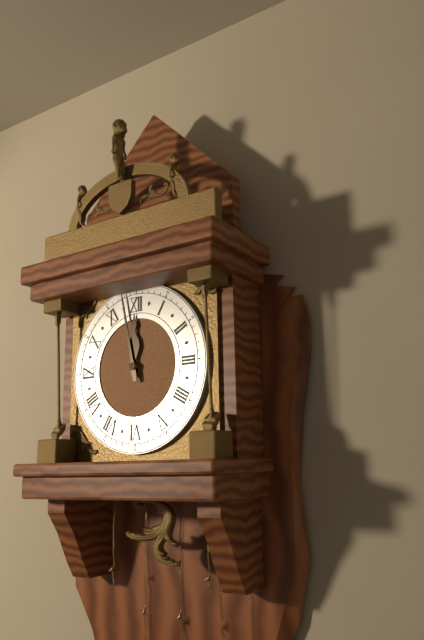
11:58
